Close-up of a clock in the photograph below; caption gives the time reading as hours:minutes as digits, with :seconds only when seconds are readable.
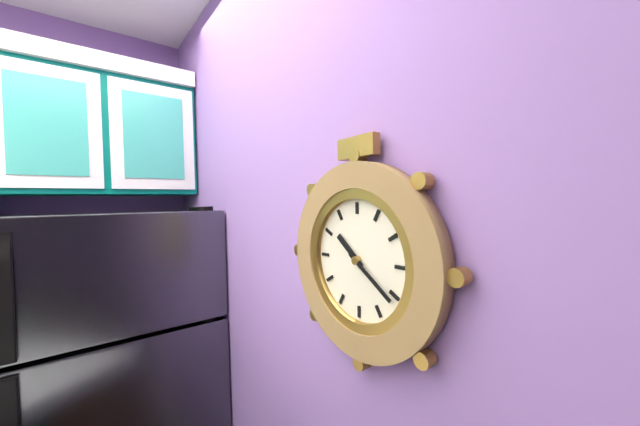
10:21
